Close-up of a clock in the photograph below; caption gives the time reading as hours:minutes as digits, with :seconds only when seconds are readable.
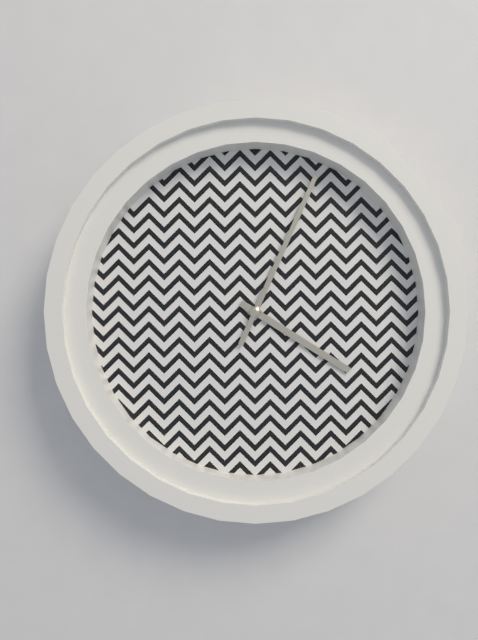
4:04
